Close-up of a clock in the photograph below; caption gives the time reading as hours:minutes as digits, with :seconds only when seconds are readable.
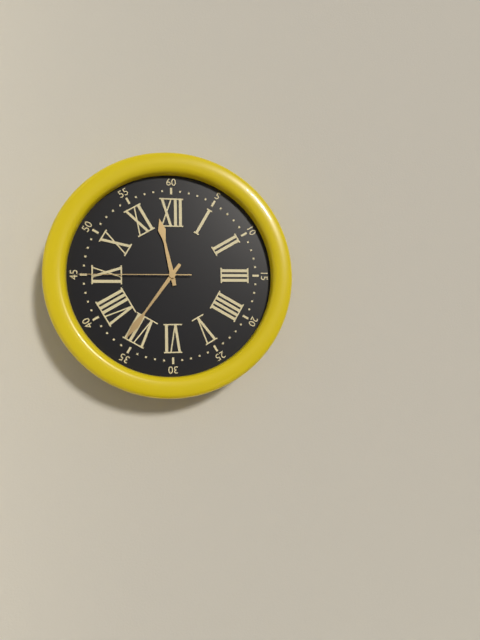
11:36:45
